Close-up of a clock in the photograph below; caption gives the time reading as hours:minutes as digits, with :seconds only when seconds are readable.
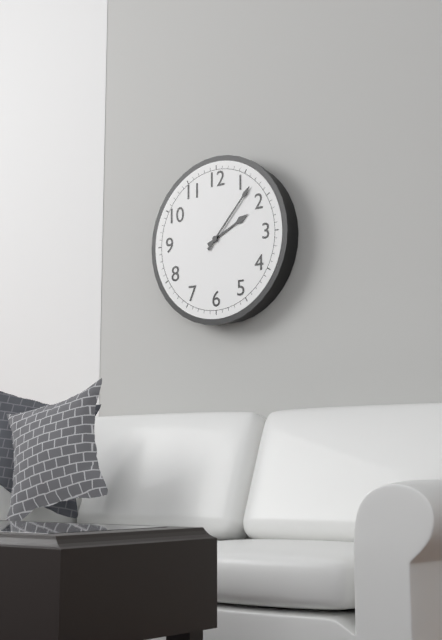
2:07
